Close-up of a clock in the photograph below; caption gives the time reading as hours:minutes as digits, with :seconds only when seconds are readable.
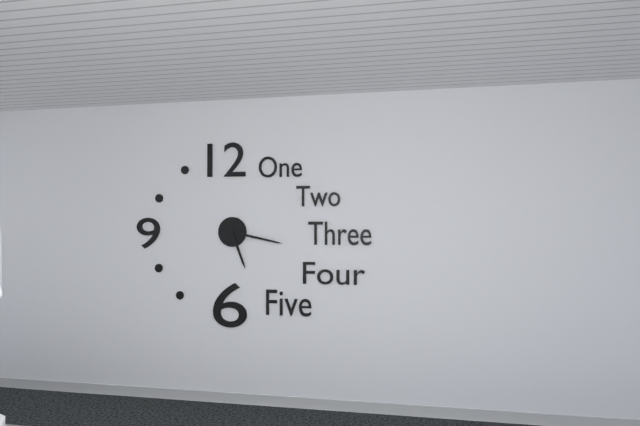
5:17
